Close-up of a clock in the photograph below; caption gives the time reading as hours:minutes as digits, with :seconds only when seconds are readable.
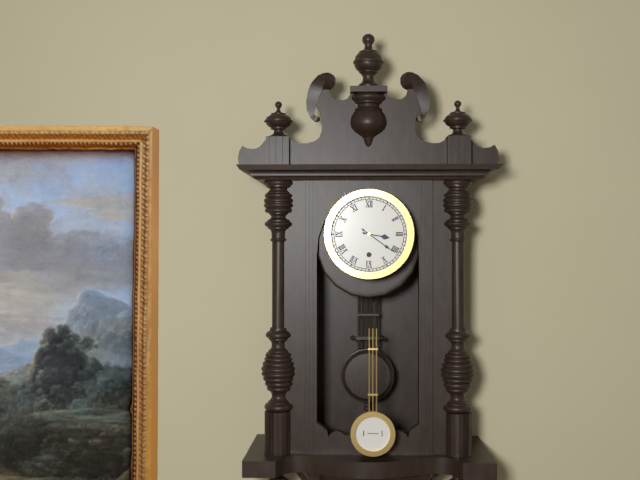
3:21
